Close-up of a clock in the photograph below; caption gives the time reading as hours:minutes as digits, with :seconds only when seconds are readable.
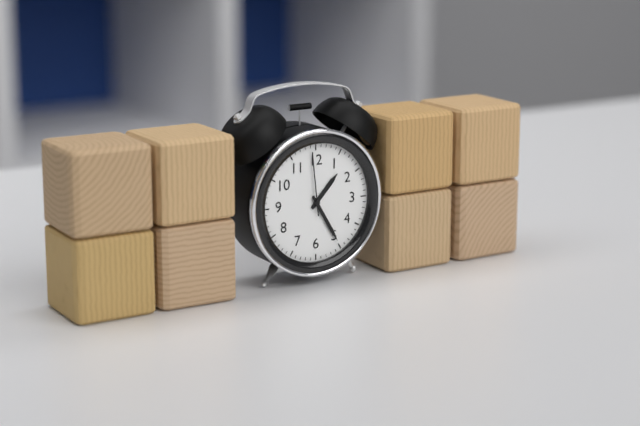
1:25:59
